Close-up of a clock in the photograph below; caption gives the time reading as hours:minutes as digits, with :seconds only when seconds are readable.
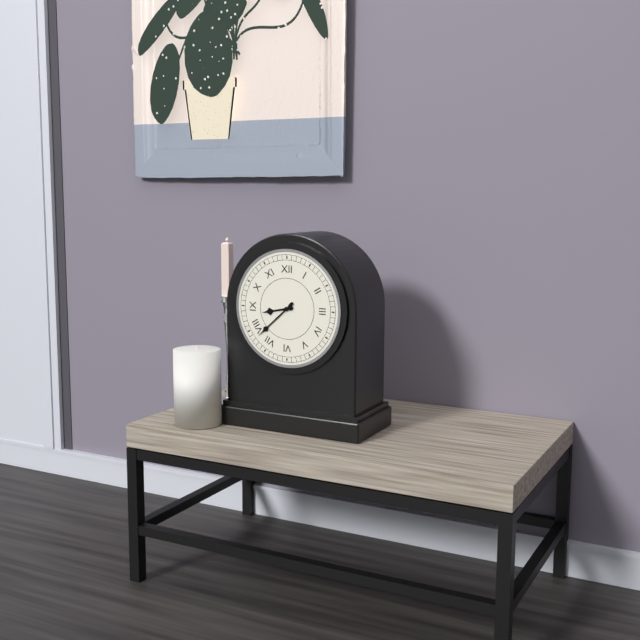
8:38
